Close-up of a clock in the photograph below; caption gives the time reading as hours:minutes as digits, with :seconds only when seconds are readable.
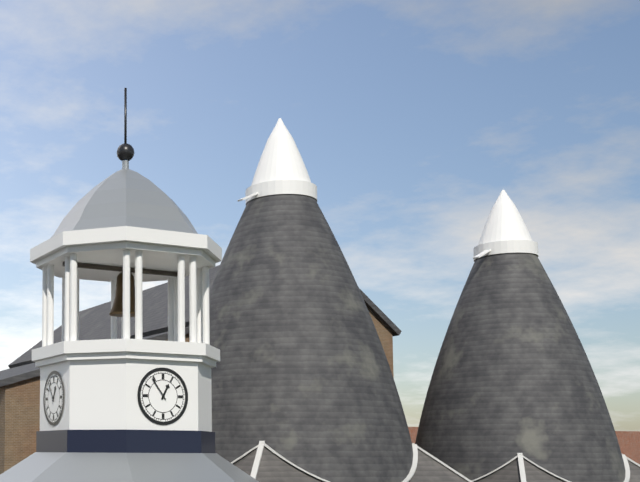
12:54
